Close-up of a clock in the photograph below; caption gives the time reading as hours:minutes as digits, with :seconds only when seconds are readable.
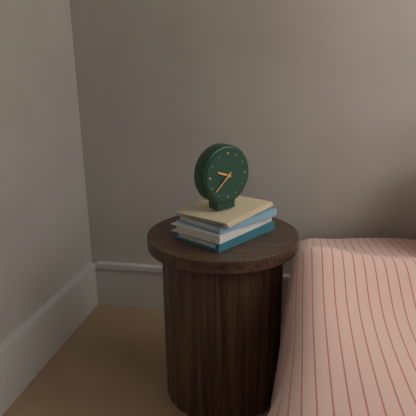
9:38
